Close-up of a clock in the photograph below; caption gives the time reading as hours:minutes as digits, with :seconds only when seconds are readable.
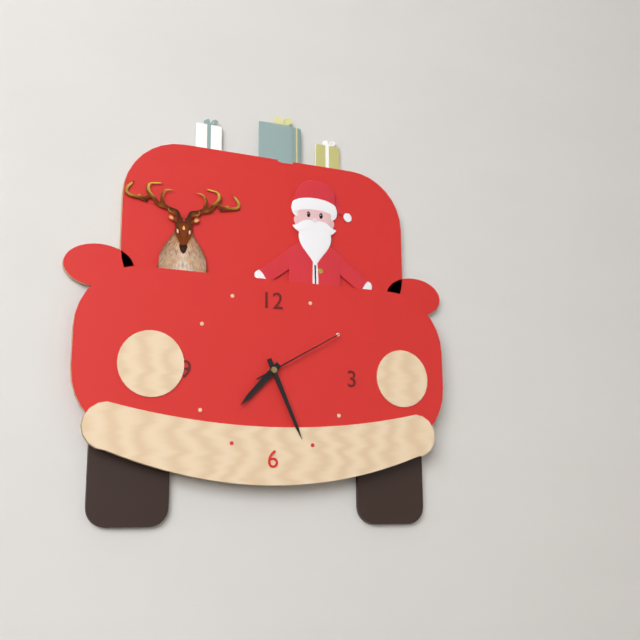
7:26:10
